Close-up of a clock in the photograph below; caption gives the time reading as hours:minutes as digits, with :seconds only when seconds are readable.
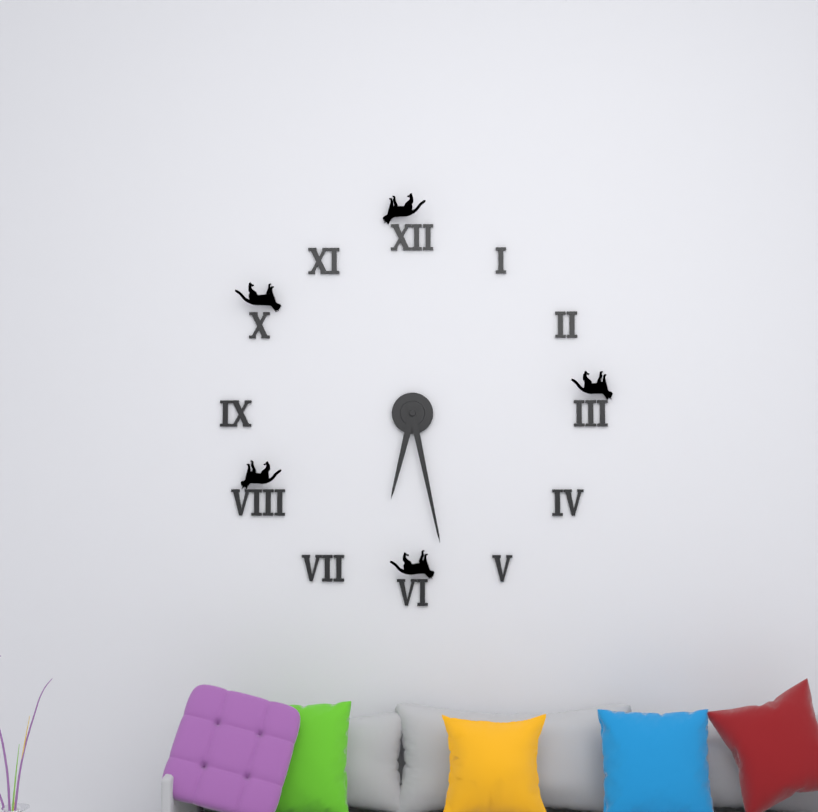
6:28
